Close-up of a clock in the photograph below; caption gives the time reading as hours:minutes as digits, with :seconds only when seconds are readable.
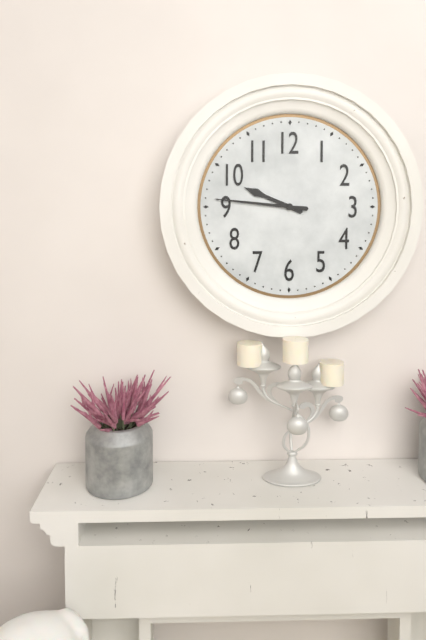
9:46
